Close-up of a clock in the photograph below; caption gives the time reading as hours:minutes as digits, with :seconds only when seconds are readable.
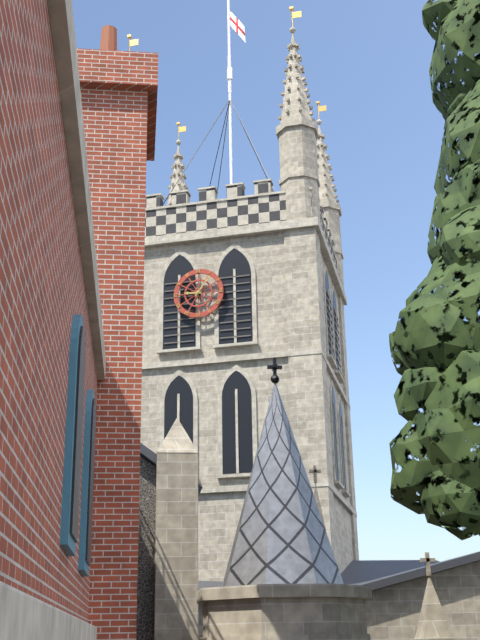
9:06
